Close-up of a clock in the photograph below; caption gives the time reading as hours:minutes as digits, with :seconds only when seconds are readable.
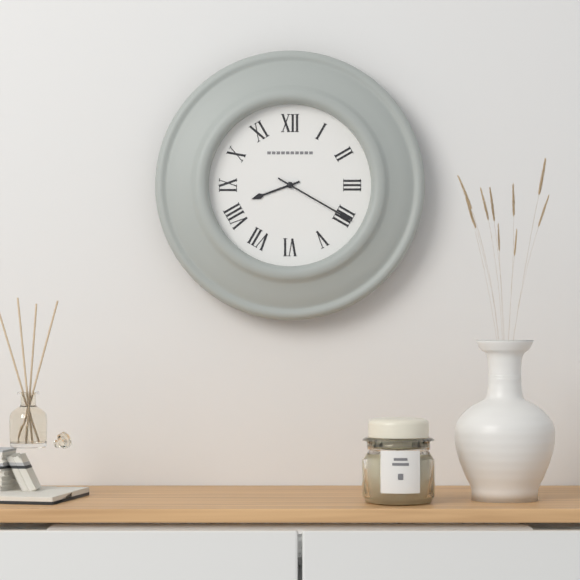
8:20
